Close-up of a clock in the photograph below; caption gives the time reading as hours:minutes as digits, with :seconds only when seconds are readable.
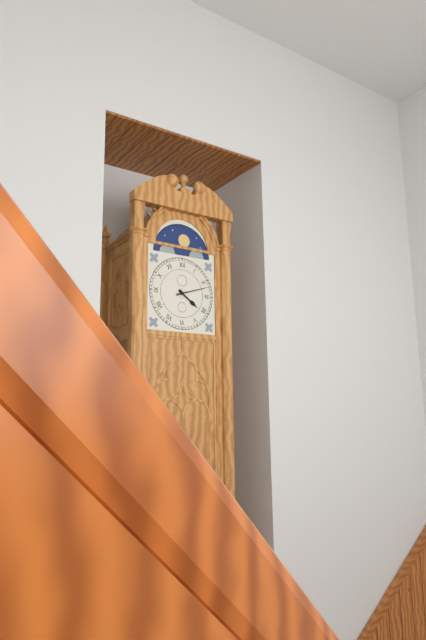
4:12
